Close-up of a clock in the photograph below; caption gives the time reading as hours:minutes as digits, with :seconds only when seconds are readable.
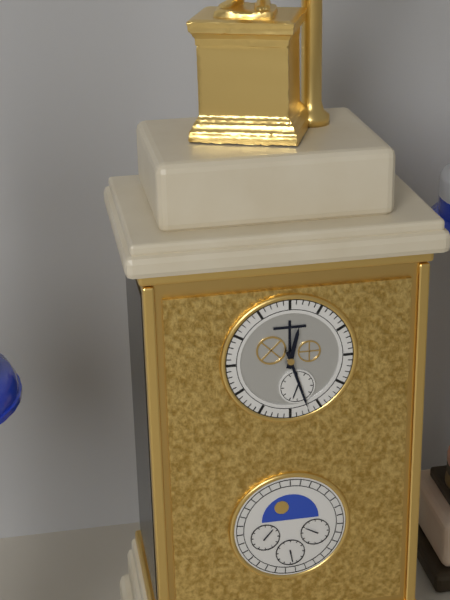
12:27
